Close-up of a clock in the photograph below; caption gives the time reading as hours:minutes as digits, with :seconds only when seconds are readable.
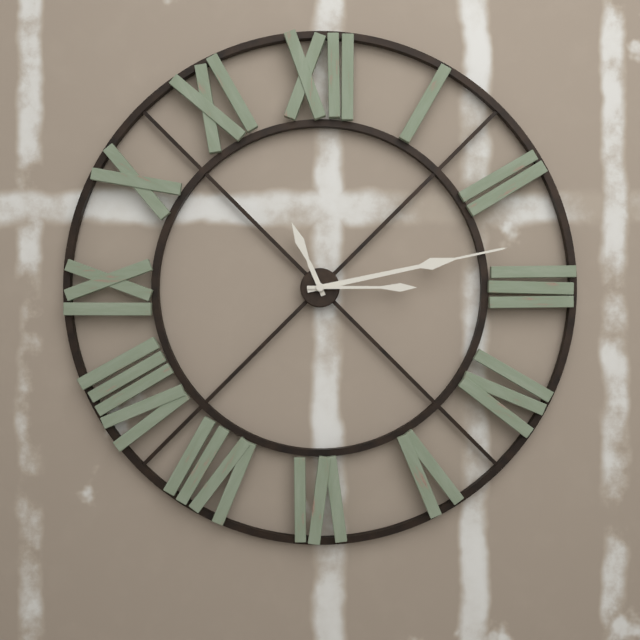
11:13:15
